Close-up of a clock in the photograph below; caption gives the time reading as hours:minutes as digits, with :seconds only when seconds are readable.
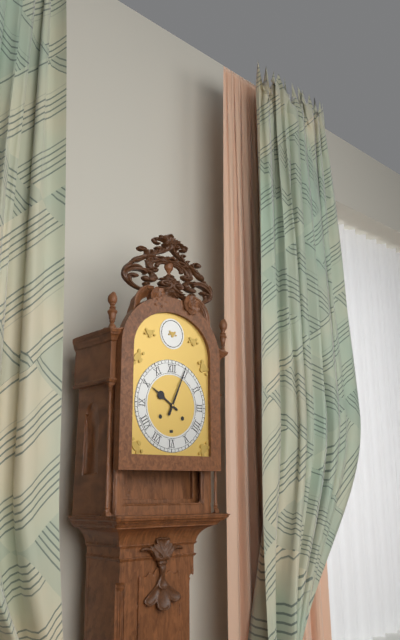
10:04
